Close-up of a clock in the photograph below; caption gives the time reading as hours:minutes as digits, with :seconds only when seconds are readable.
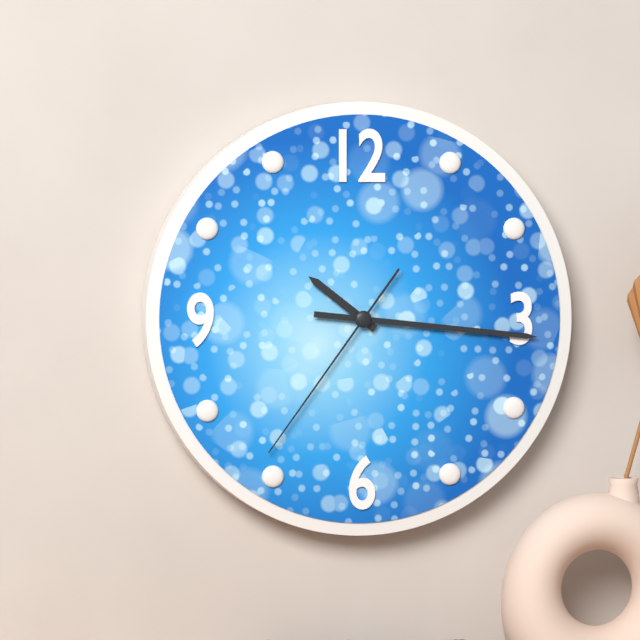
10:16:36
